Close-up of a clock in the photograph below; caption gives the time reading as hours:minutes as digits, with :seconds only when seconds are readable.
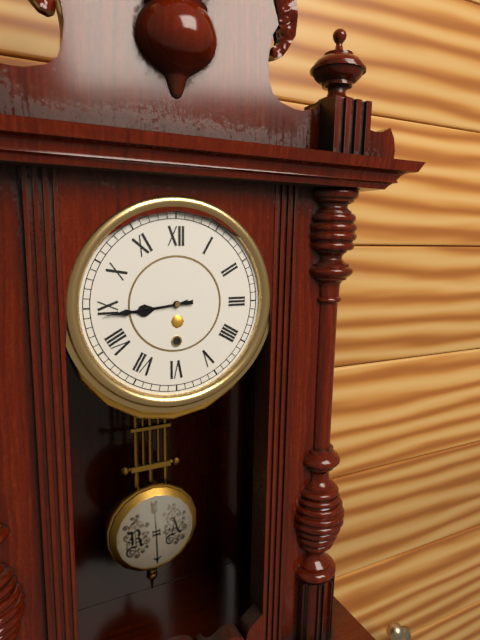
8:44
